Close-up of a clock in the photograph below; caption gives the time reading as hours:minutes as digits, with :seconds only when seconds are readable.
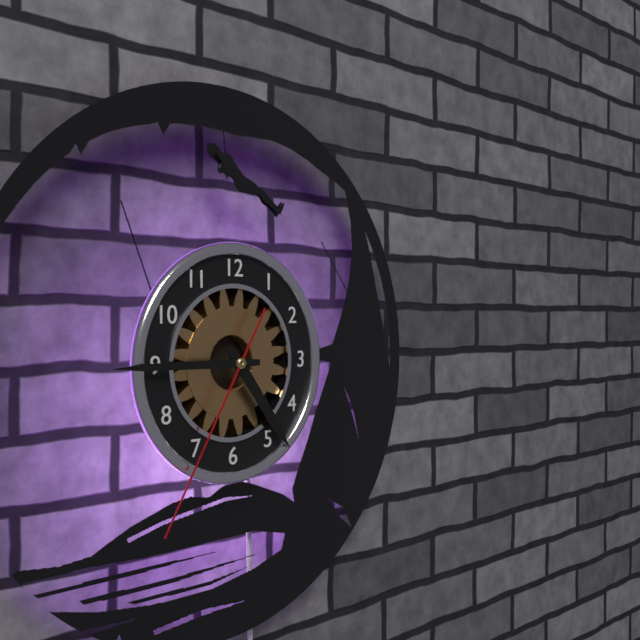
4:45:35
